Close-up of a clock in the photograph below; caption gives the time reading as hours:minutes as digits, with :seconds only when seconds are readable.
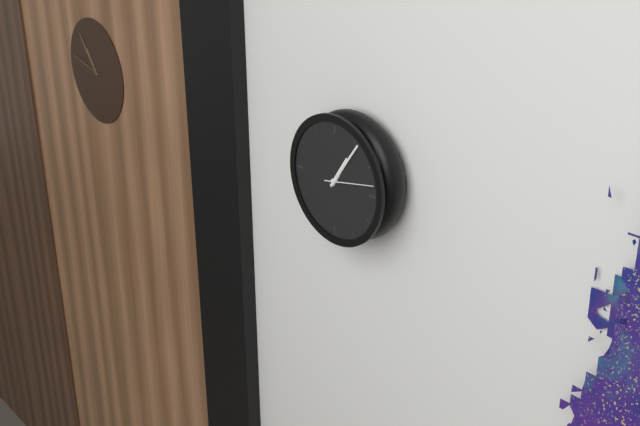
1:06
